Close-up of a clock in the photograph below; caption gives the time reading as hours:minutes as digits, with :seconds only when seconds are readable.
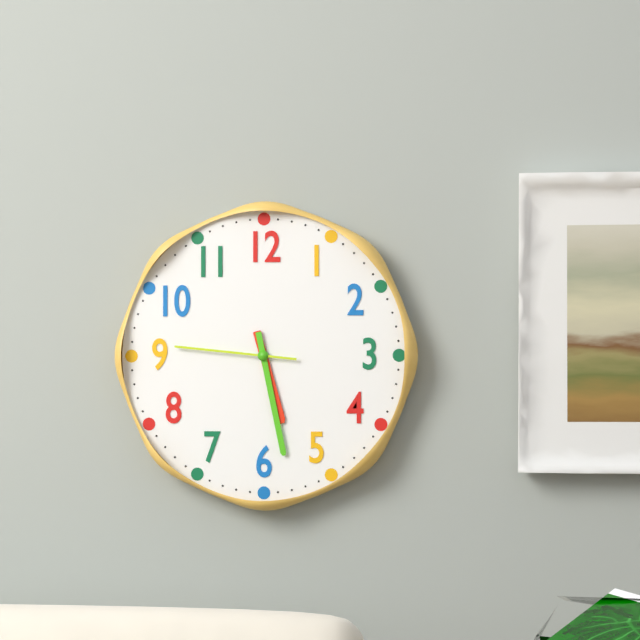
5:28:46
